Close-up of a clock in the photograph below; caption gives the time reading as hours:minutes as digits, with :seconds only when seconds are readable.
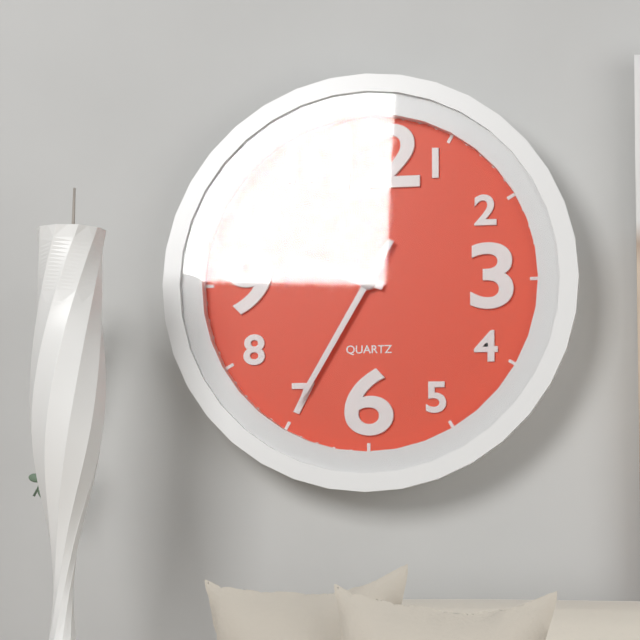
9:35
